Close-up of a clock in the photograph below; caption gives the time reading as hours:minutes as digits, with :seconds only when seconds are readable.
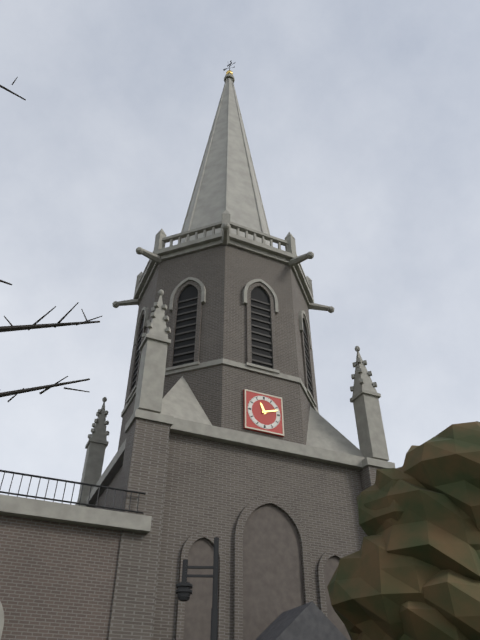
11:12
